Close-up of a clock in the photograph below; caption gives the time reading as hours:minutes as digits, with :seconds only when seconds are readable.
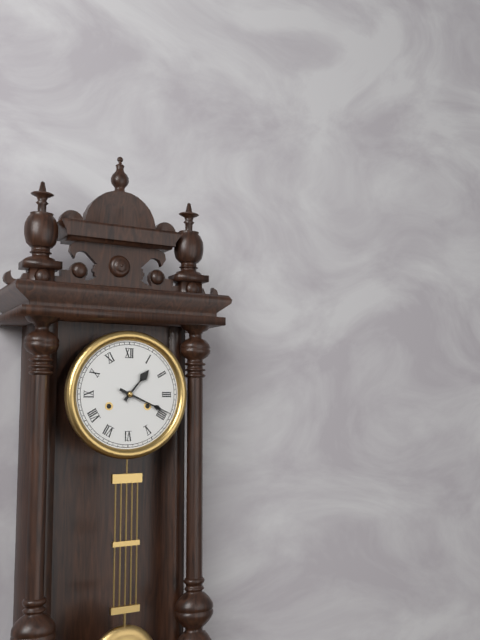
1:19
